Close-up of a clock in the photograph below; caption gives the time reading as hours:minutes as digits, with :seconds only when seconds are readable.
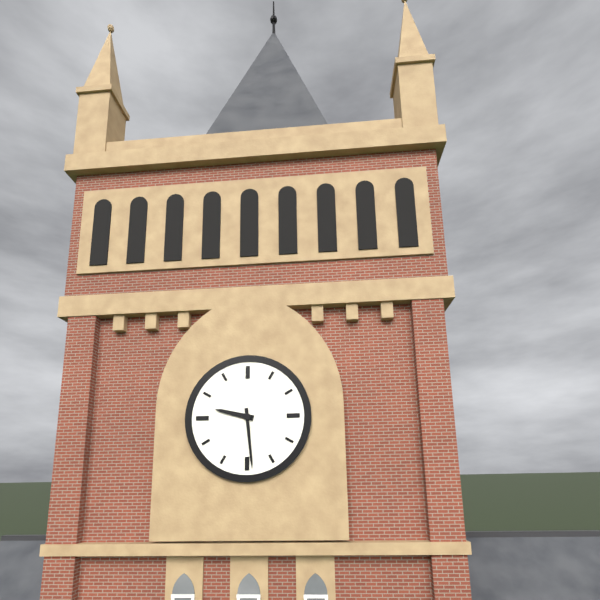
9:29
